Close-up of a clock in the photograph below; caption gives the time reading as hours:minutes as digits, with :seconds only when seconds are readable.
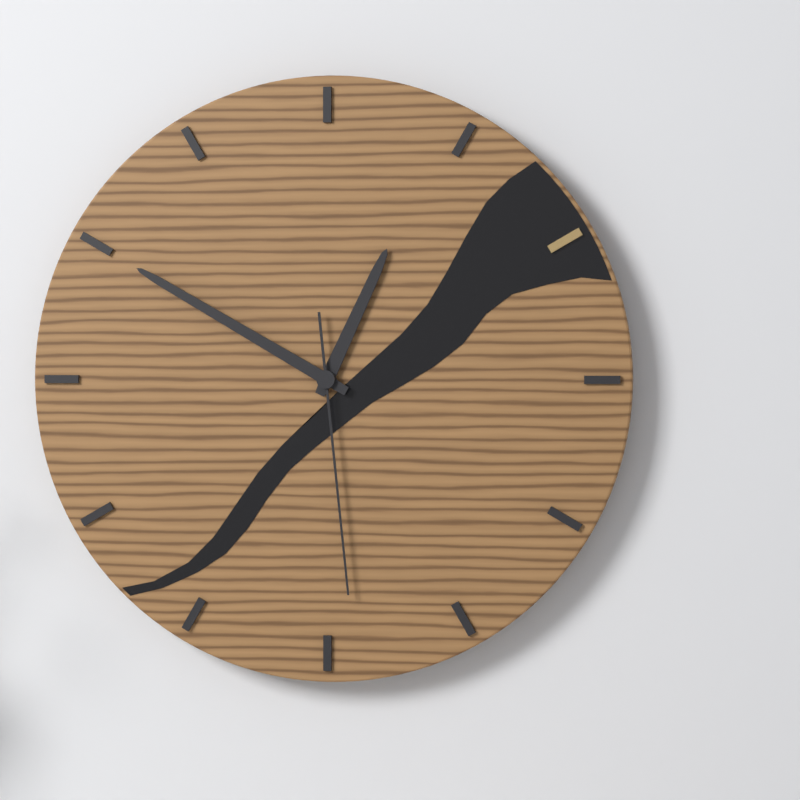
12:50:29
